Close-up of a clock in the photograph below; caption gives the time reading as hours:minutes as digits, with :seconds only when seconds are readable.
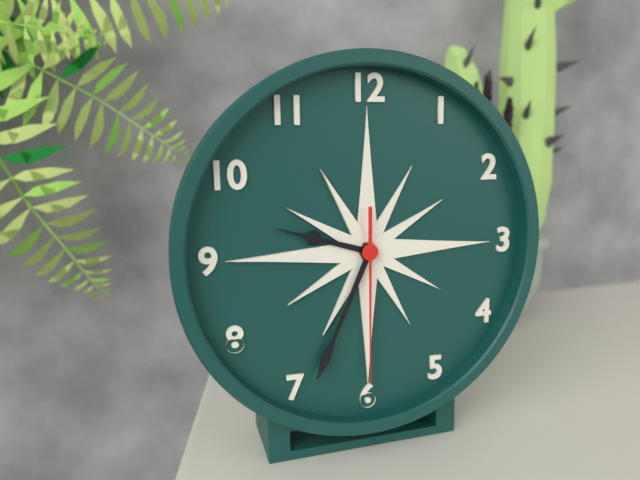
9:34:30
